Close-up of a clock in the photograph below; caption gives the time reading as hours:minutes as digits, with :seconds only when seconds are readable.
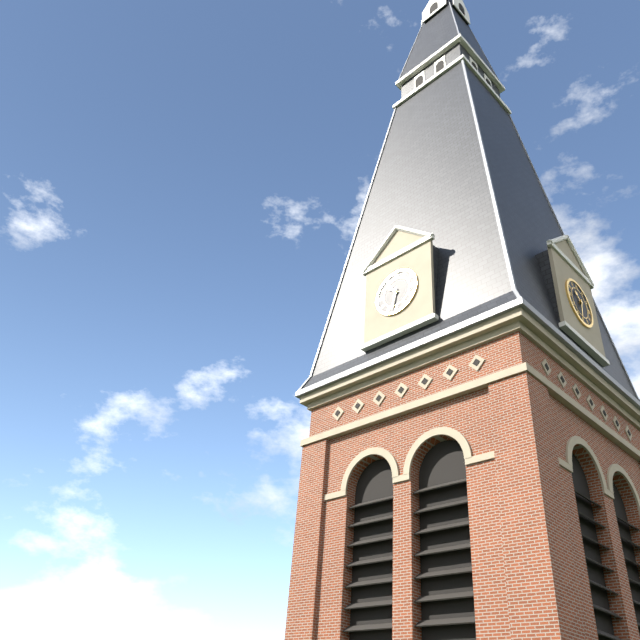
10:32
